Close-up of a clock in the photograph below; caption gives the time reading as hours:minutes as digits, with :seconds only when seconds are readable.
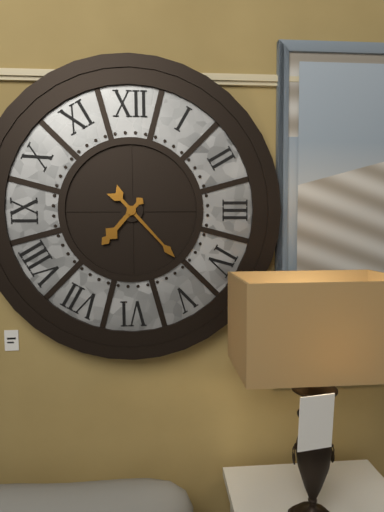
7:23
